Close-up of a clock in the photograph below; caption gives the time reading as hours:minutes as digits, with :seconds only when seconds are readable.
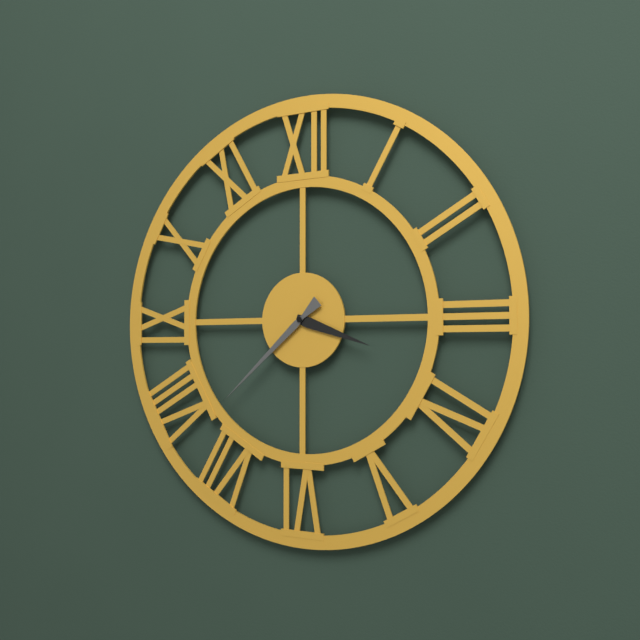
3:38
